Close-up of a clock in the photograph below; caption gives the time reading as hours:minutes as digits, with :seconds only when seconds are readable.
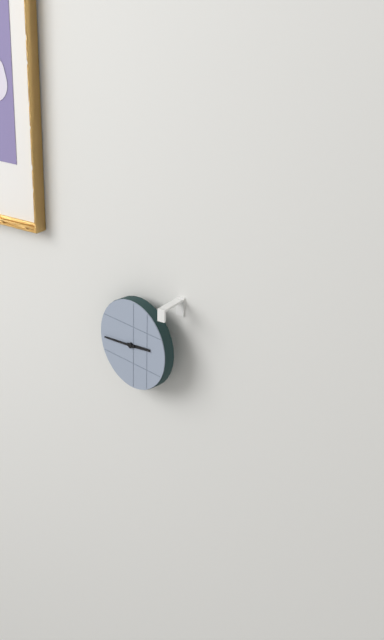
2:44
